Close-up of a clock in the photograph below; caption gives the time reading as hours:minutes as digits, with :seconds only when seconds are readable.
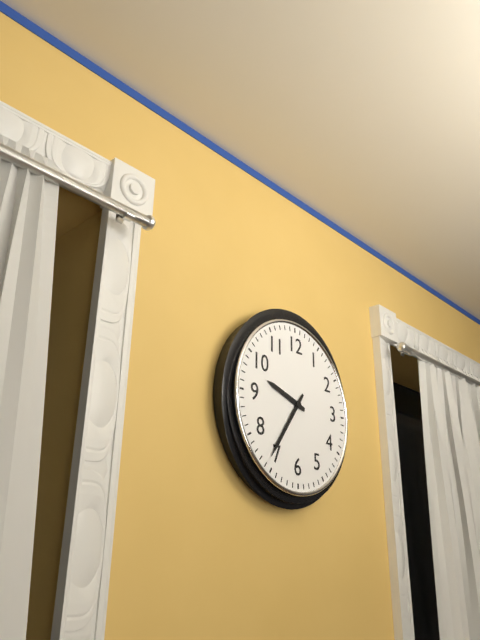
9:36
